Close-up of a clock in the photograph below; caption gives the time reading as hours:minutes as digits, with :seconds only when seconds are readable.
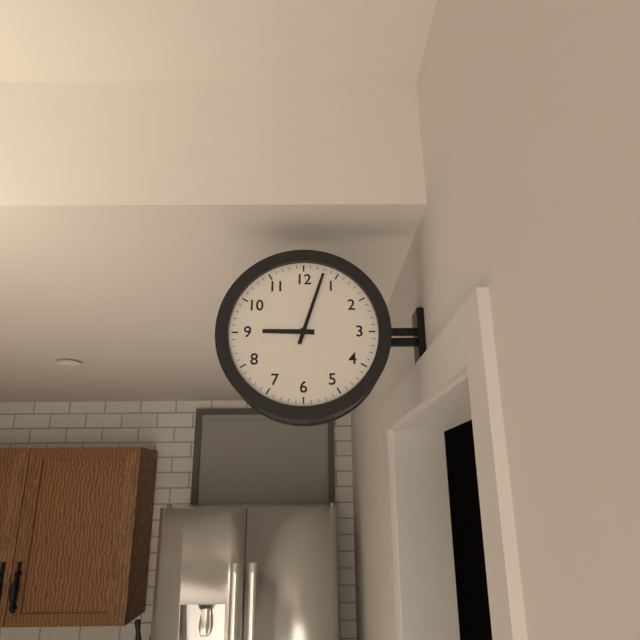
9:03
